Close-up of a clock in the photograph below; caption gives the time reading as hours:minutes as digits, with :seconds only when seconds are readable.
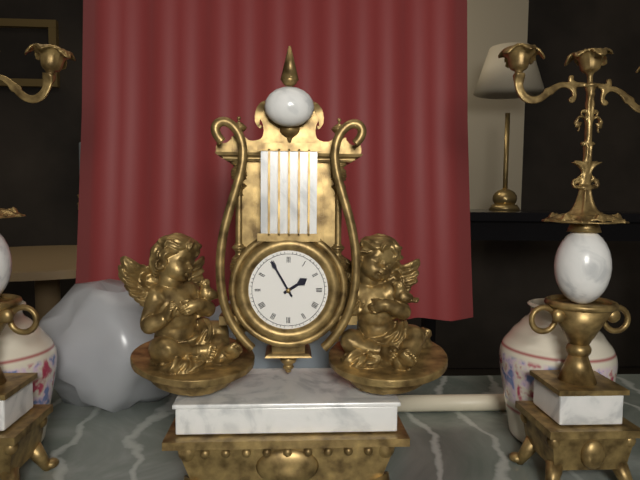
1:55
